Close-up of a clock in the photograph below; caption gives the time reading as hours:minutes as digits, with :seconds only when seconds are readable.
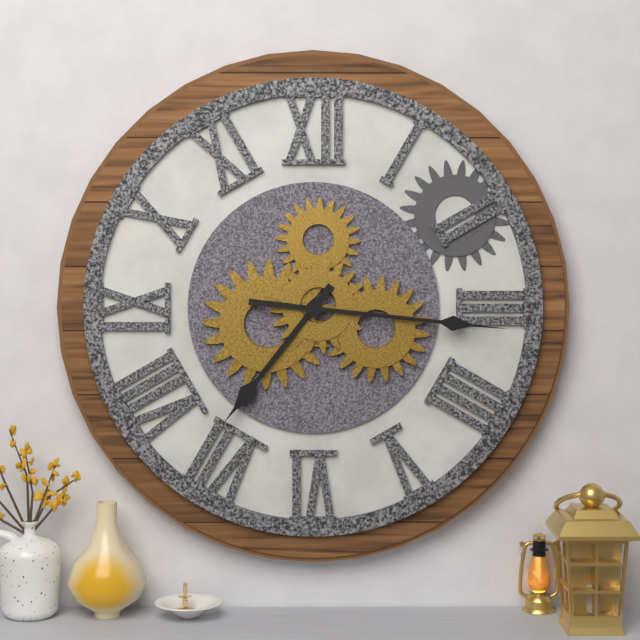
7:16
